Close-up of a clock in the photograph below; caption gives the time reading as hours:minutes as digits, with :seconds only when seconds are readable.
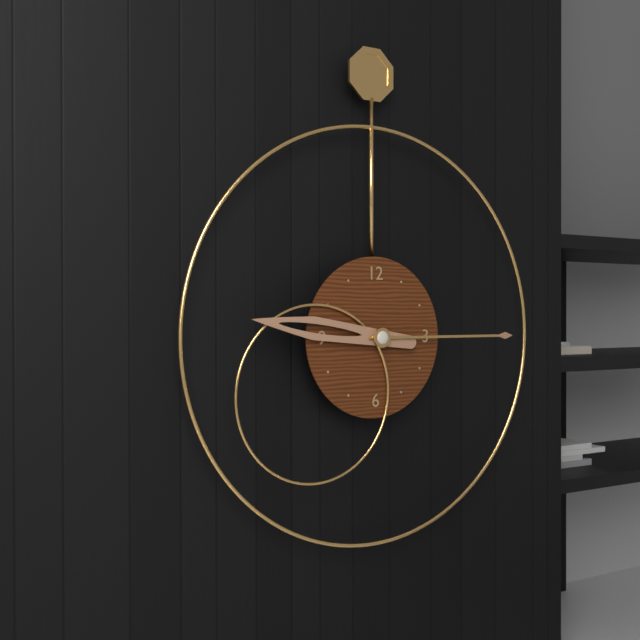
9:15
